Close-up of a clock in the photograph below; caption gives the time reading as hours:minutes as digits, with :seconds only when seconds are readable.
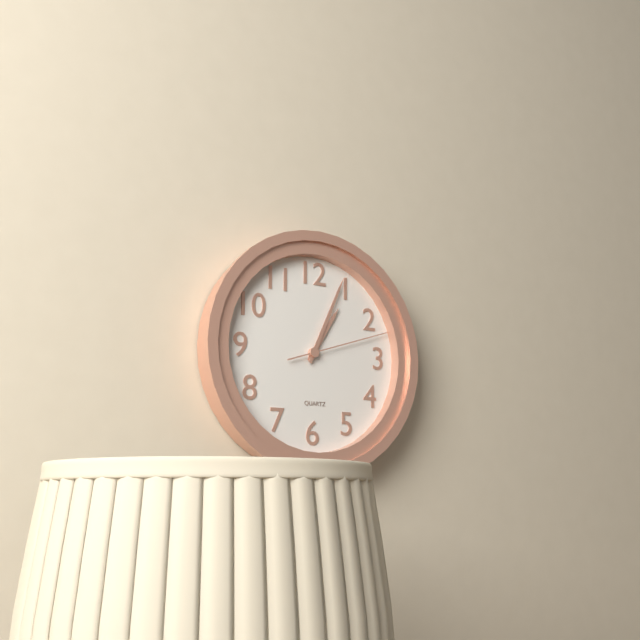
1:04:12
